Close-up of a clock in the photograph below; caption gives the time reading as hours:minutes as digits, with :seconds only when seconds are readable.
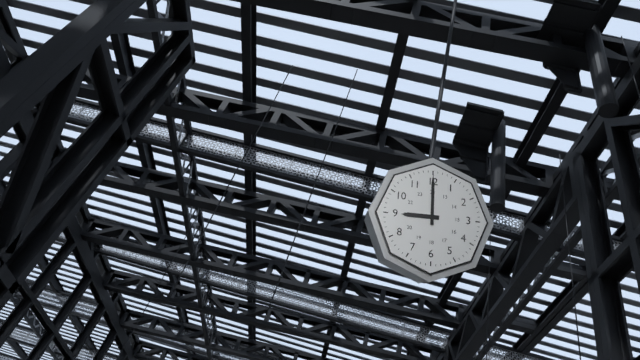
9:00
